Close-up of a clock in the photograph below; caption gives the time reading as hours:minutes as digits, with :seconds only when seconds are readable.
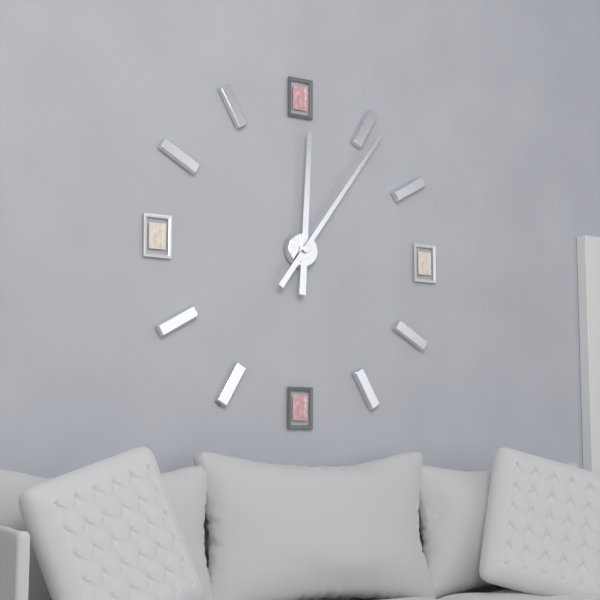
12:06
